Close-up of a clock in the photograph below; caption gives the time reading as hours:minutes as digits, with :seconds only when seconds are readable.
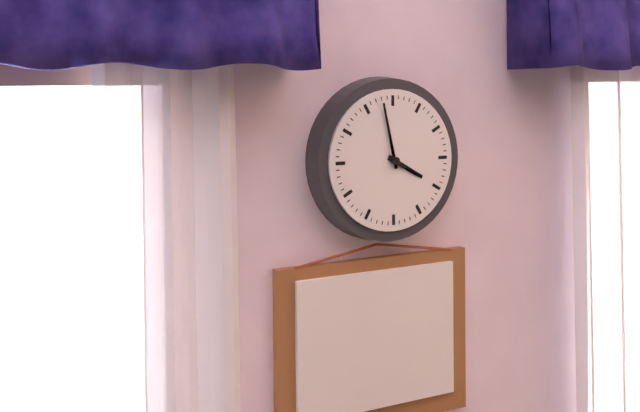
3:58
